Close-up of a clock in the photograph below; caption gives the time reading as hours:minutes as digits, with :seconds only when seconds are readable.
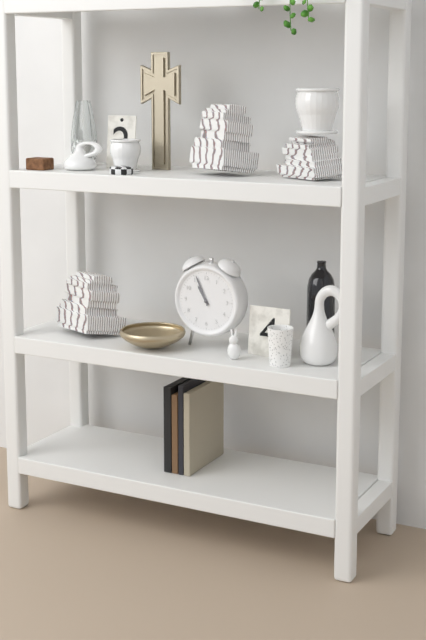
10:56
